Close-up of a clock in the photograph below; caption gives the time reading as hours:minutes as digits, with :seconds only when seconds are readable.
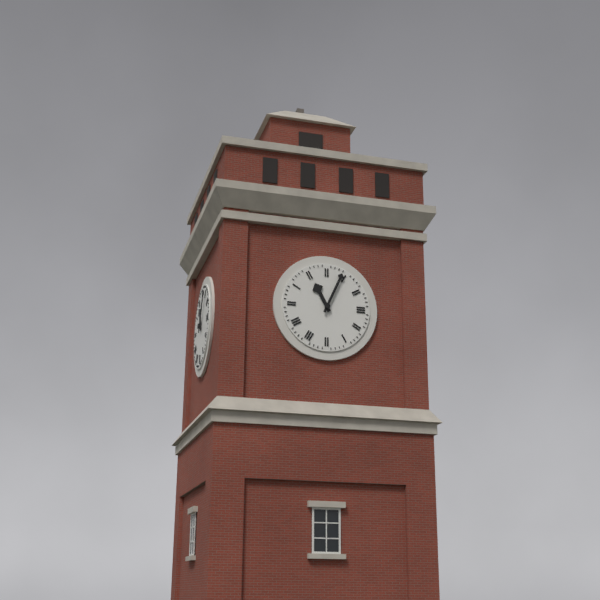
11:04
